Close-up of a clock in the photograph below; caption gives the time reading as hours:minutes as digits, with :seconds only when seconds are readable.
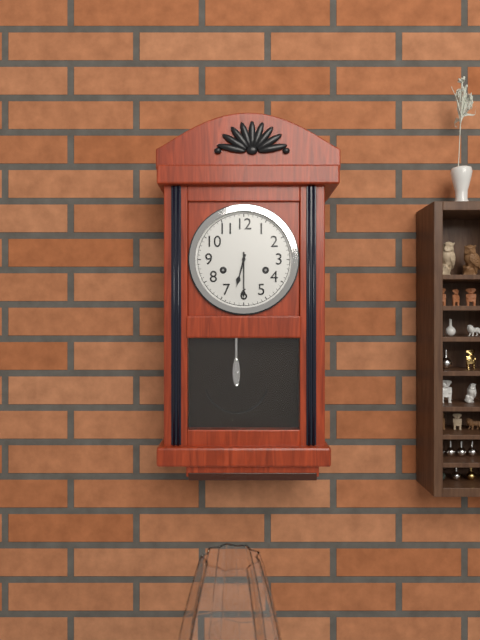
6:30
